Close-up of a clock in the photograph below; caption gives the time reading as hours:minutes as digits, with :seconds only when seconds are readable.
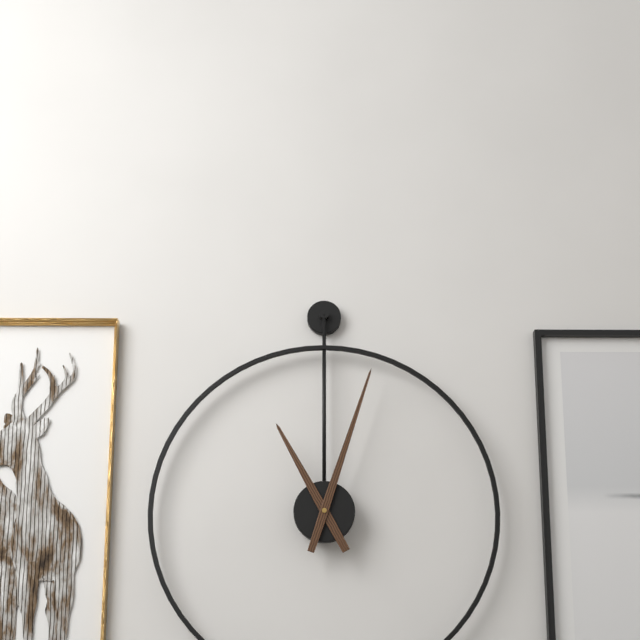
11:03
